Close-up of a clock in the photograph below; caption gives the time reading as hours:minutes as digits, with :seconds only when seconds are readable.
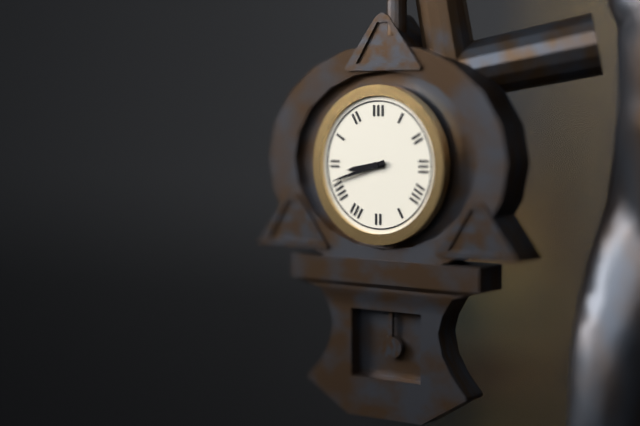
8:42
